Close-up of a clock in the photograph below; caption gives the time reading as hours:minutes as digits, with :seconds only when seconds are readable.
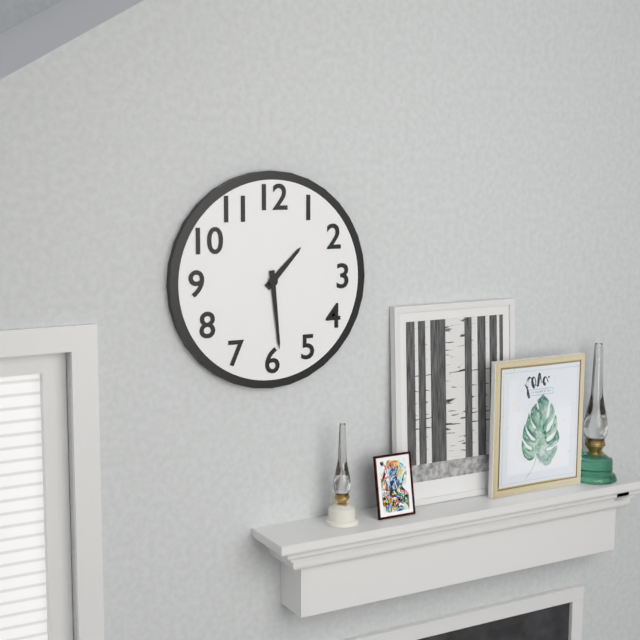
1:29
